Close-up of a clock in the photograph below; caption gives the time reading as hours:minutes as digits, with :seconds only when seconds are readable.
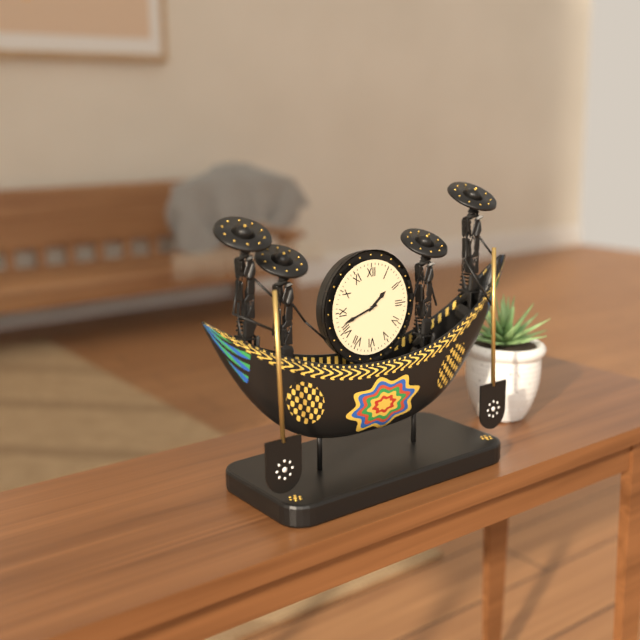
1:42
